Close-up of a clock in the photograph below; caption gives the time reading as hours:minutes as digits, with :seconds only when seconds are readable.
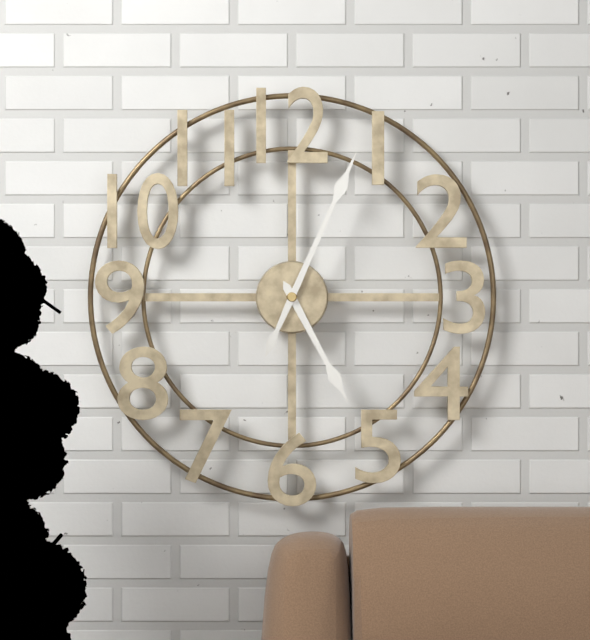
5:04
